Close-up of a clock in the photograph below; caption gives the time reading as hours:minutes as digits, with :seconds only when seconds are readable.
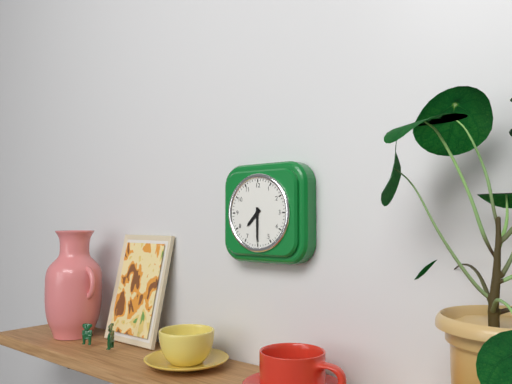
7:30
